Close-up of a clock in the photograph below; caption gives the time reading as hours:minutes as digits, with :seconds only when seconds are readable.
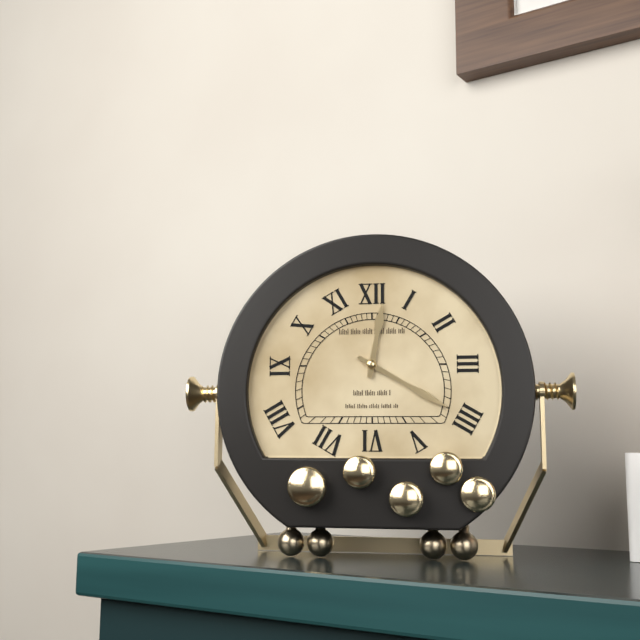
12:20
